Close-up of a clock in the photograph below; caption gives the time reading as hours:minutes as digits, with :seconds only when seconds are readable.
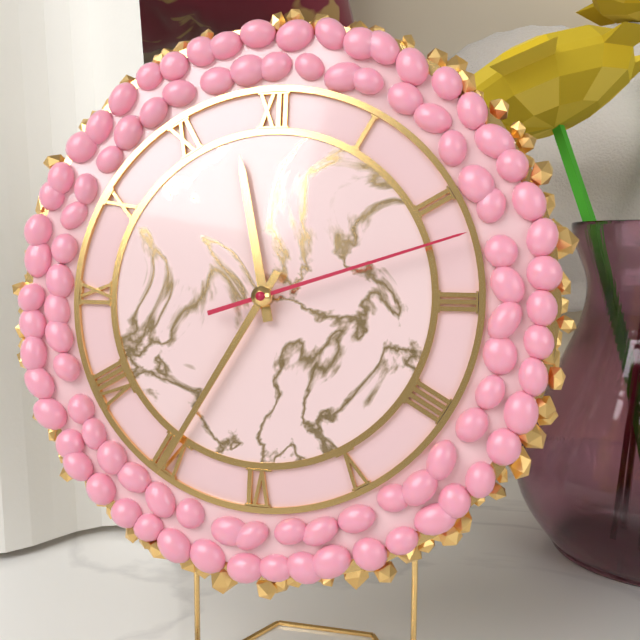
11:35:12
